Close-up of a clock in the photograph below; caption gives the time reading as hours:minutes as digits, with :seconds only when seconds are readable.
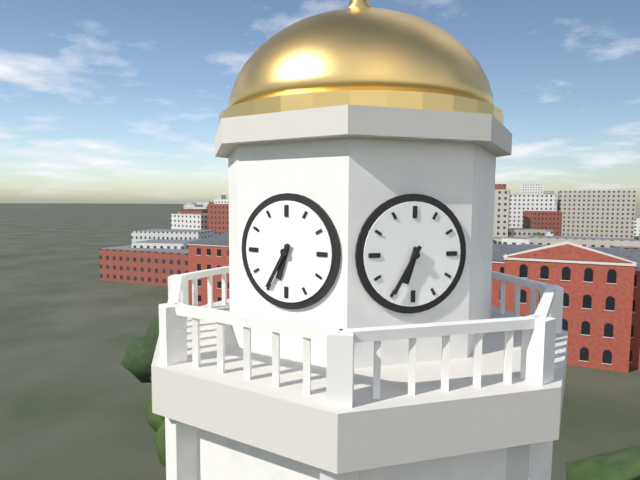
6:35
